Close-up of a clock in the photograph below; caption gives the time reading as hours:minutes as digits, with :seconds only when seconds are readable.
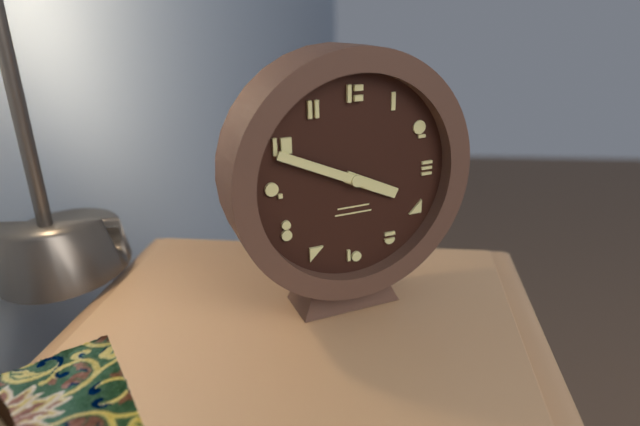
3:49
